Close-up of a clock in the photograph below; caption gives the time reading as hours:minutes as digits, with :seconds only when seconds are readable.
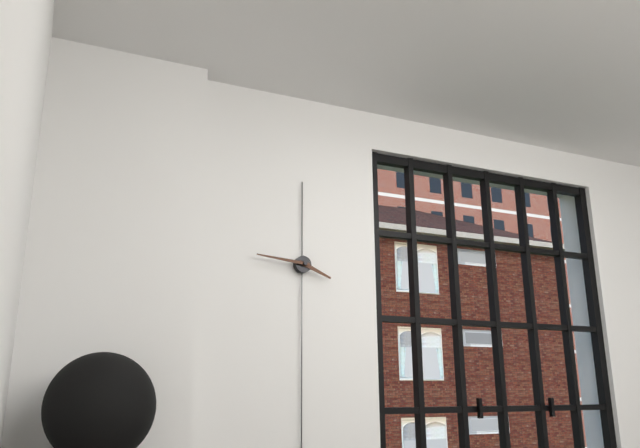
3:46
